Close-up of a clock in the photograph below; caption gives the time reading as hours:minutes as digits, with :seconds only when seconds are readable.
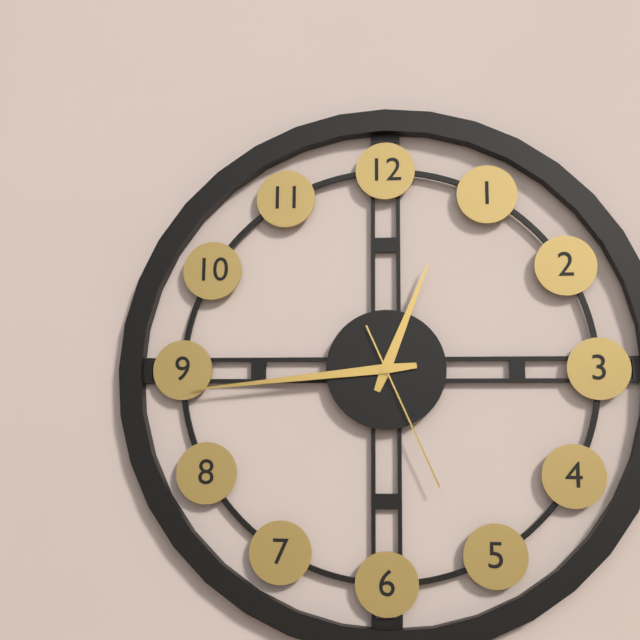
12:44:26
